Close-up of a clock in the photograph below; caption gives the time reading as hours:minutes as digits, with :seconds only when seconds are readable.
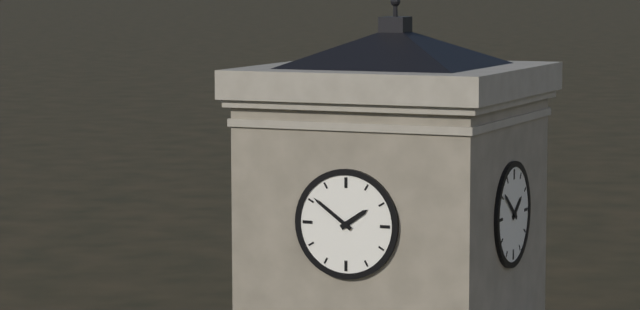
1:51
